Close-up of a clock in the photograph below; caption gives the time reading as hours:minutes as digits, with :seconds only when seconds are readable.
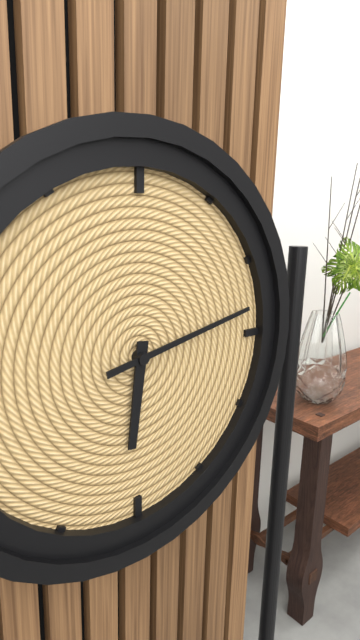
6:13
